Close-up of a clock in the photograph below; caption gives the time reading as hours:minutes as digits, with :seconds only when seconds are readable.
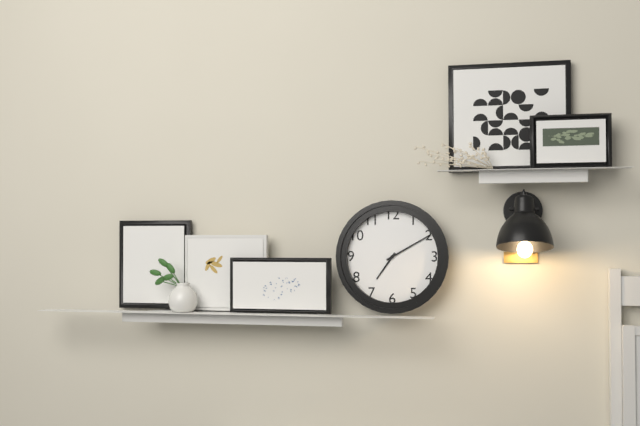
7:10
